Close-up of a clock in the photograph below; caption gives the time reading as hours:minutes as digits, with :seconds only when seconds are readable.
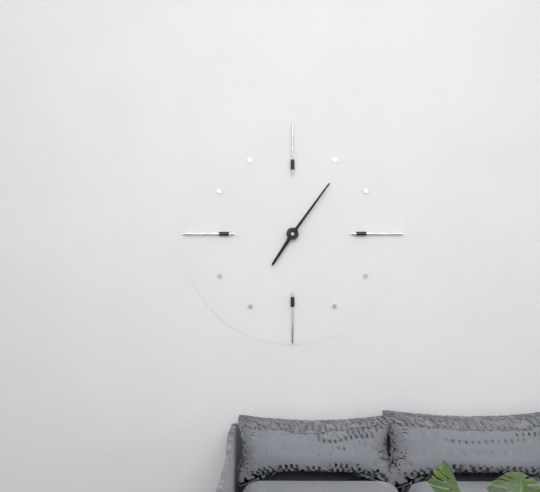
7:06
